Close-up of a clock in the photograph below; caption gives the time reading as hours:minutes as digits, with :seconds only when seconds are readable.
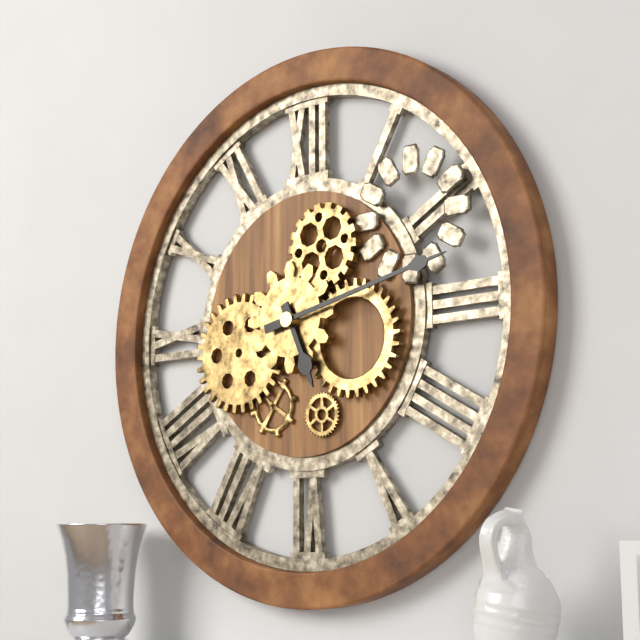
5:13
